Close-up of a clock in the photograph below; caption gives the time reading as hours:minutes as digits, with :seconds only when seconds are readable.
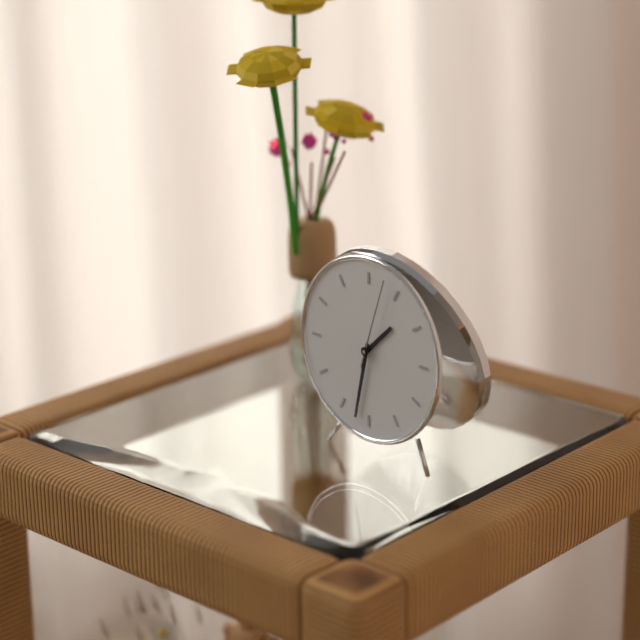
1:32:03
